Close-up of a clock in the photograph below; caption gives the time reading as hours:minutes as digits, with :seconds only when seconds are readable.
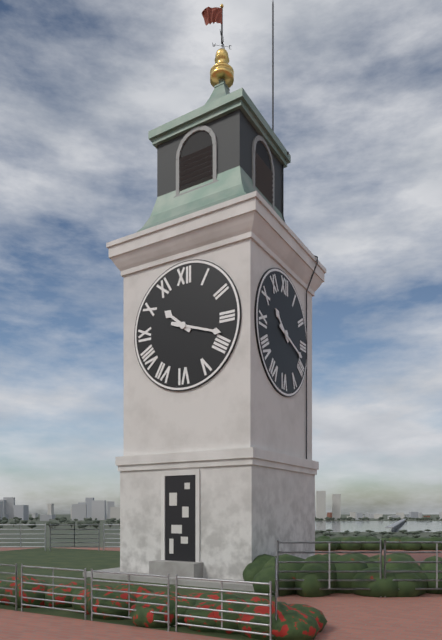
10:18
